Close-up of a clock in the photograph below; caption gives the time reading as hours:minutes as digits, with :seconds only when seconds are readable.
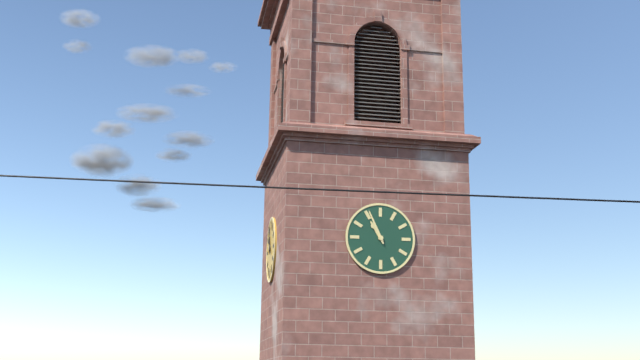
10:56
